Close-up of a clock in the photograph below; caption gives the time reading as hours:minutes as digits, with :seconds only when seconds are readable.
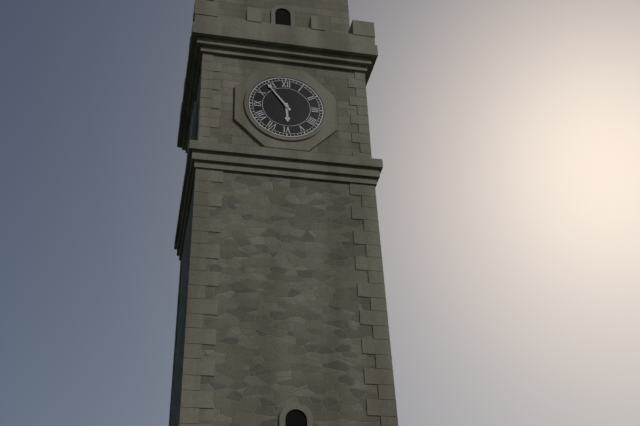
5:54
